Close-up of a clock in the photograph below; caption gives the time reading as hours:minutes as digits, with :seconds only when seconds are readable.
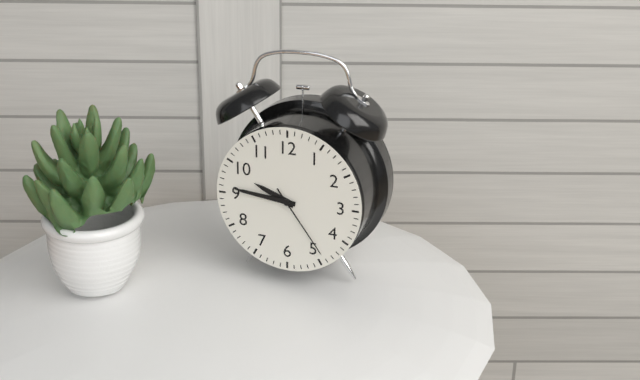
9:46:24
